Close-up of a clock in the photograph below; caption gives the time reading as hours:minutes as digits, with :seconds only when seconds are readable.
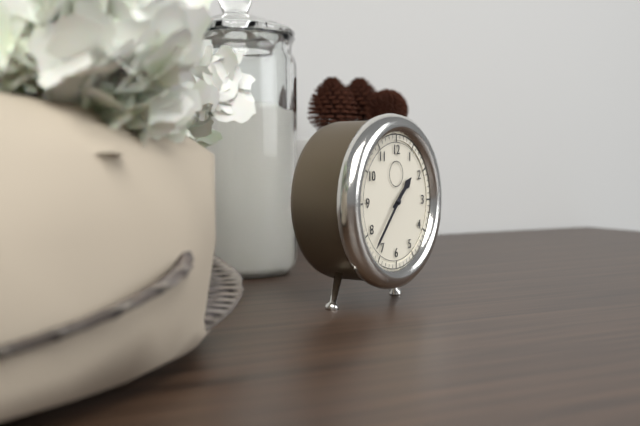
1:37
